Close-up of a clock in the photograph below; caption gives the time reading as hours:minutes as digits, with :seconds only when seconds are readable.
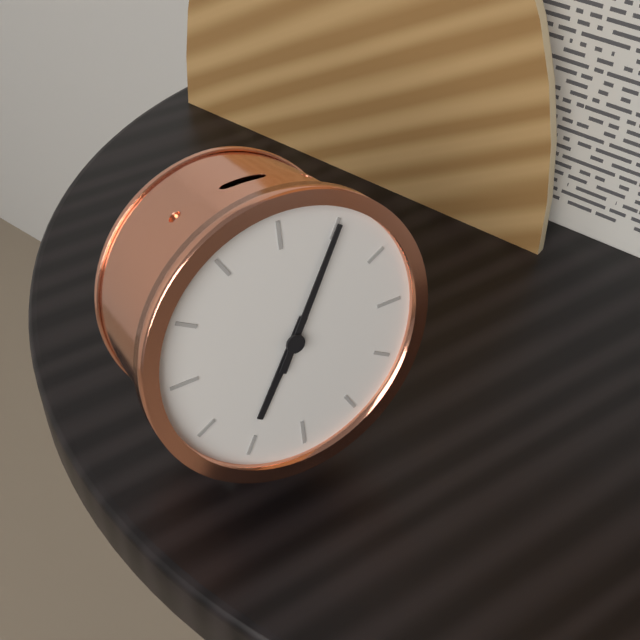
7:05
